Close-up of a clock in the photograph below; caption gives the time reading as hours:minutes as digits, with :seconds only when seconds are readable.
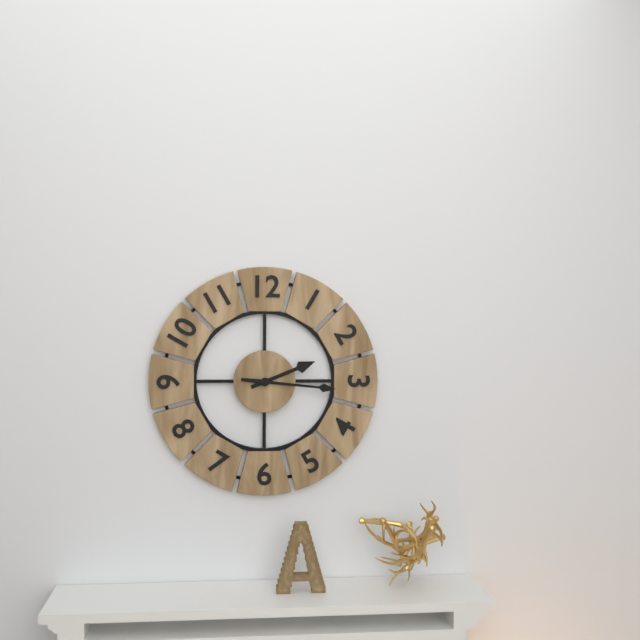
2:16
